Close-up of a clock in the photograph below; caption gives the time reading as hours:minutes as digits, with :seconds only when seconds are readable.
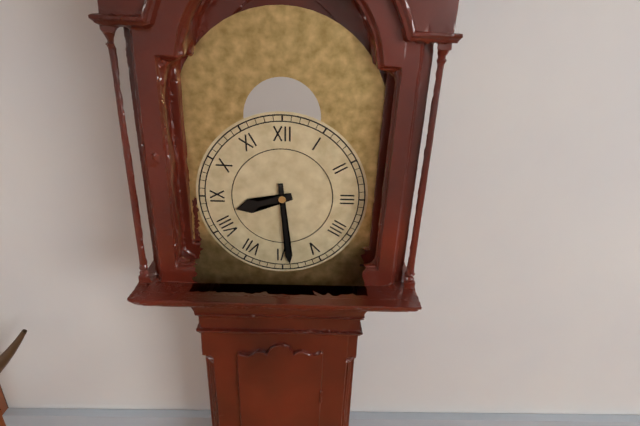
8:29
